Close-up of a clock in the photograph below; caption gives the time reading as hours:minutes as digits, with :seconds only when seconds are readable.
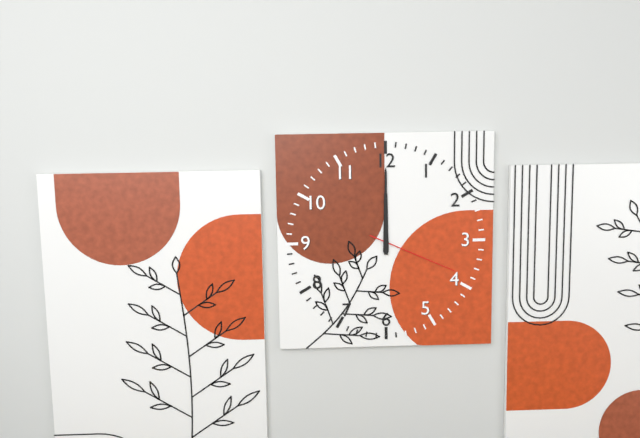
12:00:19
